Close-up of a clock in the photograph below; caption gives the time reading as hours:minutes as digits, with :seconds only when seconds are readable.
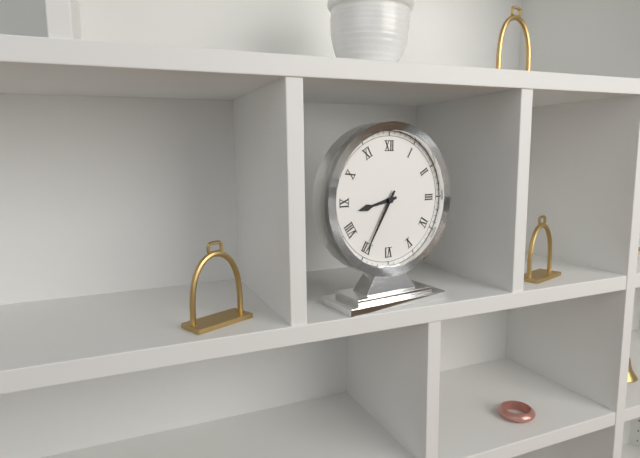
8:35
